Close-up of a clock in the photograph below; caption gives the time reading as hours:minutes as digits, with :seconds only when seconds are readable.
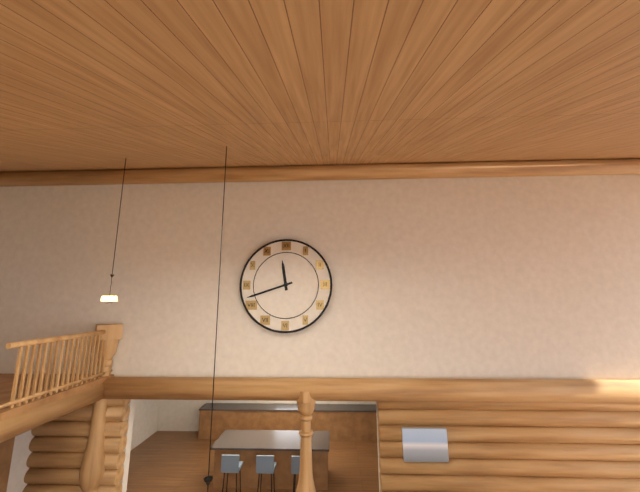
11:42
